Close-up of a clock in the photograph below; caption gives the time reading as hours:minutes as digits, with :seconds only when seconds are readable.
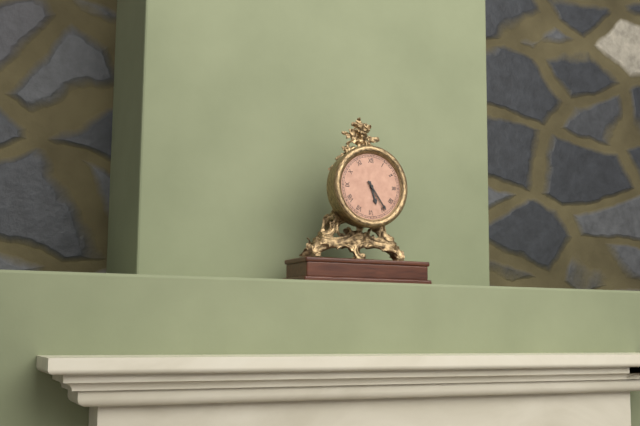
5:24
